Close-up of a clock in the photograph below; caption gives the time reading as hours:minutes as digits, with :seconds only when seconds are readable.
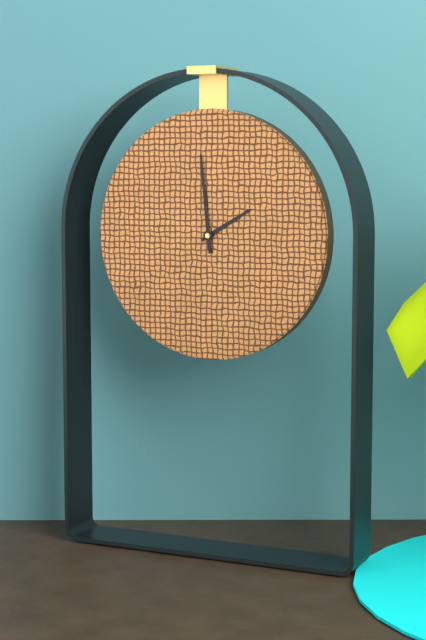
1:59
